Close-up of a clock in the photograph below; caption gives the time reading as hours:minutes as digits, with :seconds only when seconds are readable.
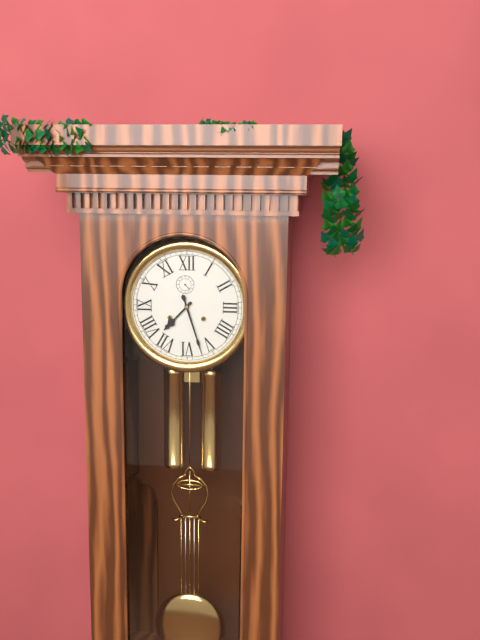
7:27
